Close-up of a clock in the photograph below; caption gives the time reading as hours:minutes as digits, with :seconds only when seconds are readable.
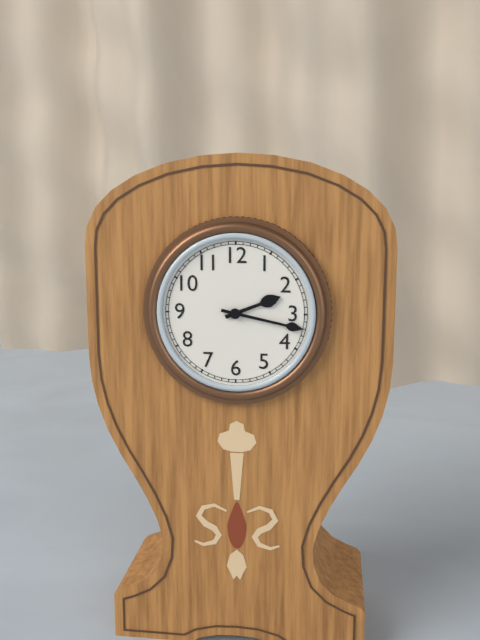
2:17
